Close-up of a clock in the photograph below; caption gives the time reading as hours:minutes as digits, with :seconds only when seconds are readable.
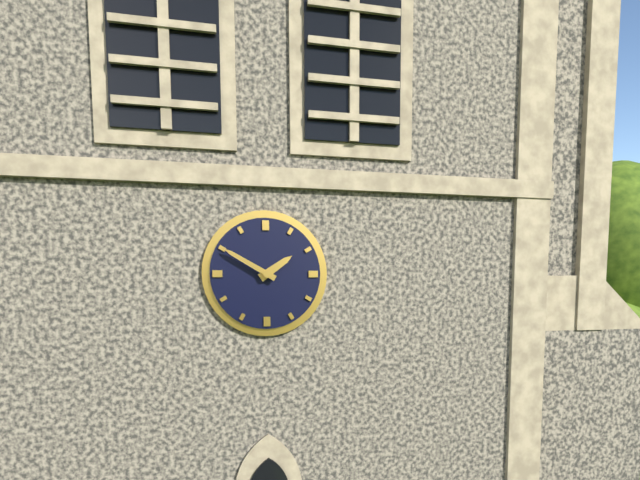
1:50
